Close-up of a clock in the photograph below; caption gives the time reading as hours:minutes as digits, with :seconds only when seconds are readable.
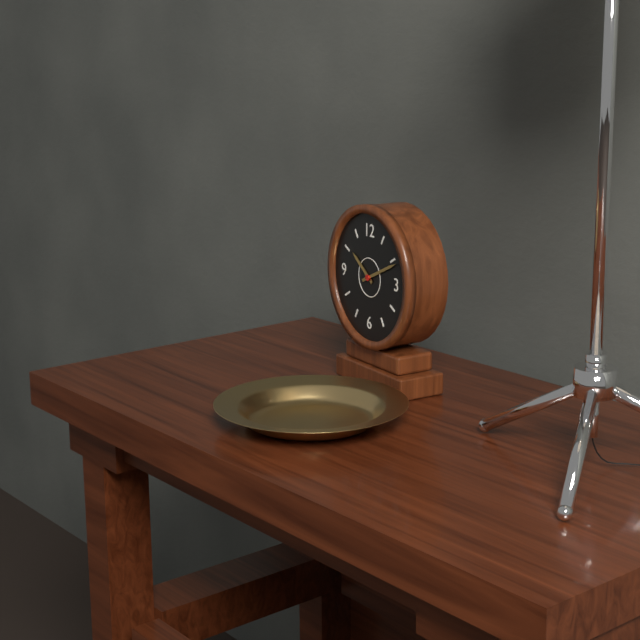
10:11
